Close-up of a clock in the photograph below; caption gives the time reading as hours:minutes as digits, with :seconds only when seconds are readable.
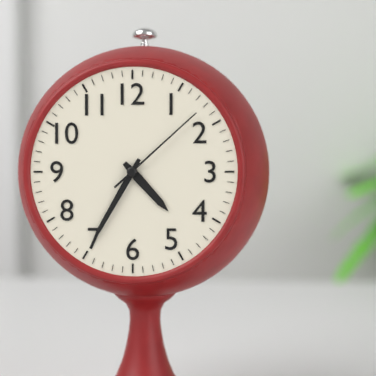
4:35:08
